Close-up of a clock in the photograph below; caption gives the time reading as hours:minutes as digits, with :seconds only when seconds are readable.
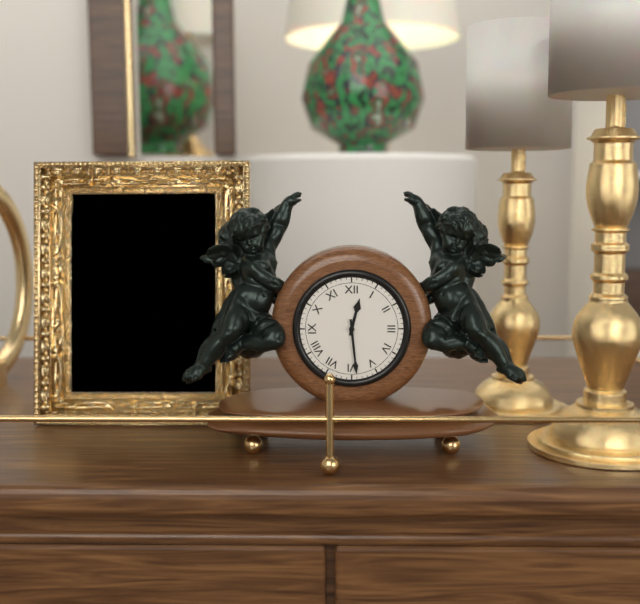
12:29
